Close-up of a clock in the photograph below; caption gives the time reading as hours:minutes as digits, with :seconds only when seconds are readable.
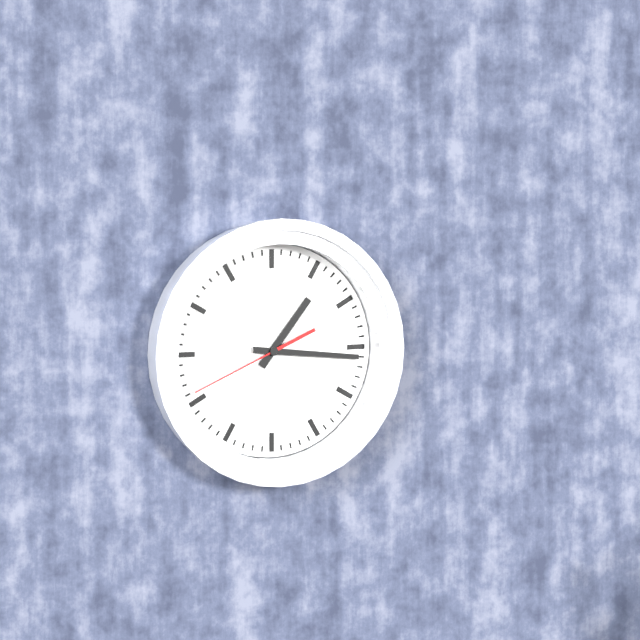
1:16:41
